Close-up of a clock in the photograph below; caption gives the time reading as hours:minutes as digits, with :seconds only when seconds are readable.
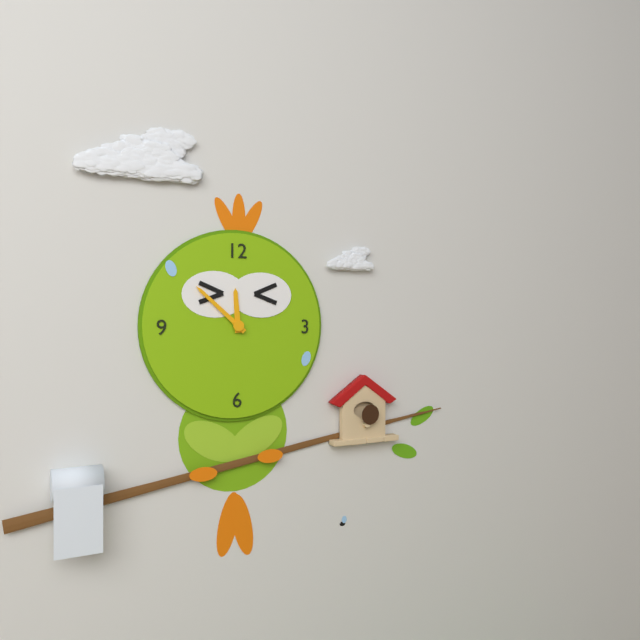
11:52
